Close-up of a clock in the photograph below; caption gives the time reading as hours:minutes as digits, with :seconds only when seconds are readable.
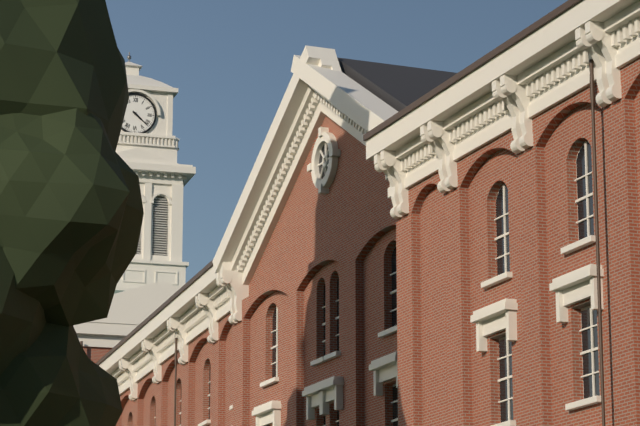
4:22
